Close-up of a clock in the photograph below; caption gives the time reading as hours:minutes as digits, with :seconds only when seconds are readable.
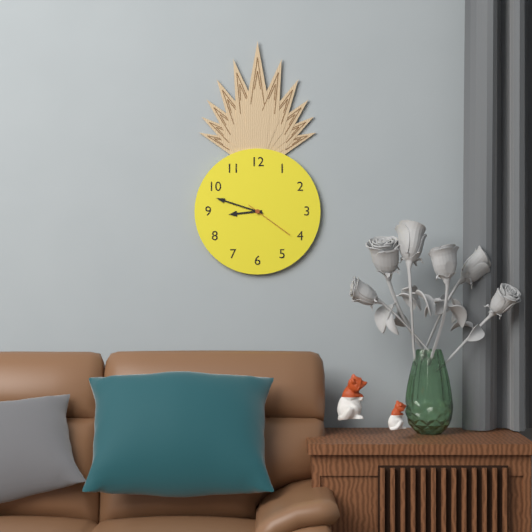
8:48:21
